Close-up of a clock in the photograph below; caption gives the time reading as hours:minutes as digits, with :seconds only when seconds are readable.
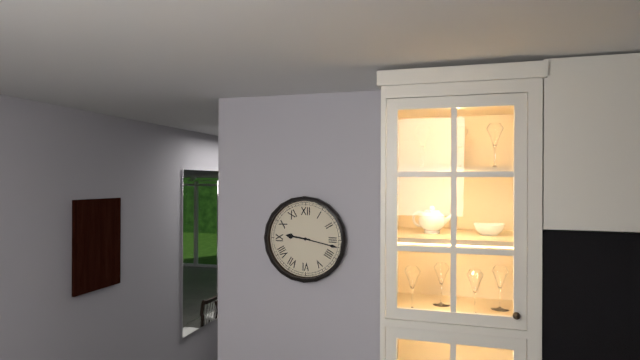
9:17
